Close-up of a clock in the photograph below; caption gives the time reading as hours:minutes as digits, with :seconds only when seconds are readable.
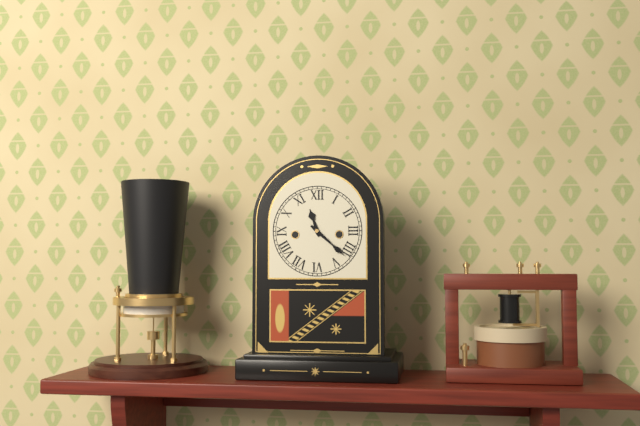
11:22
